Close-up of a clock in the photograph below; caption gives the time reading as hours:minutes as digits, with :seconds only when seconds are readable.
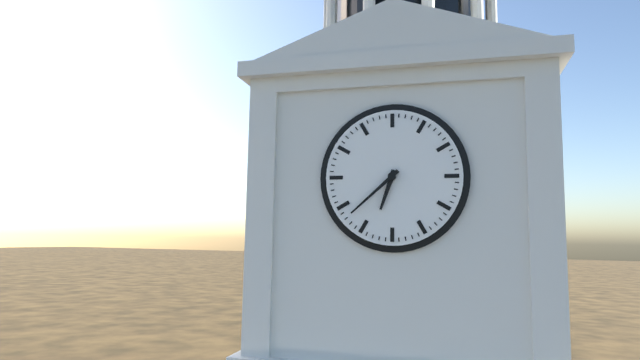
6:38
